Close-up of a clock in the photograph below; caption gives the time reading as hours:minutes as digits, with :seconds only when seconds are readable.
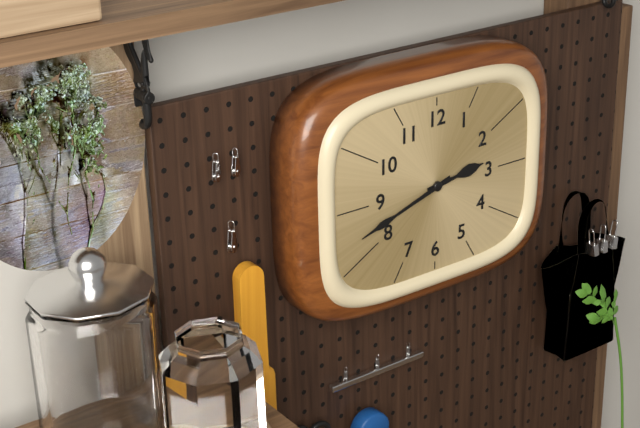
2:42
